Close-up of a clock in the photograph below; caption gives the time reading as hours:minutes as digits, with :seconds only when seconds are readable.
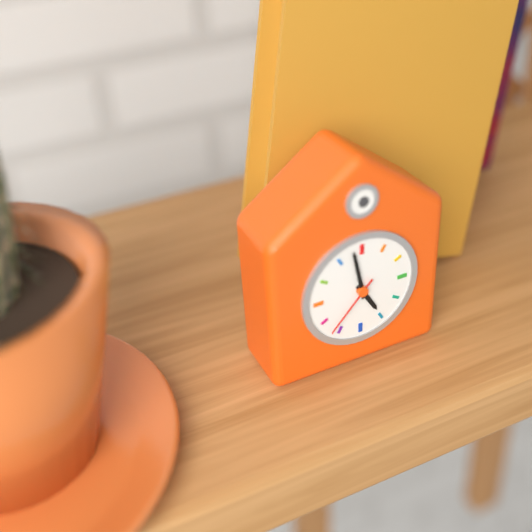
4:58:37
